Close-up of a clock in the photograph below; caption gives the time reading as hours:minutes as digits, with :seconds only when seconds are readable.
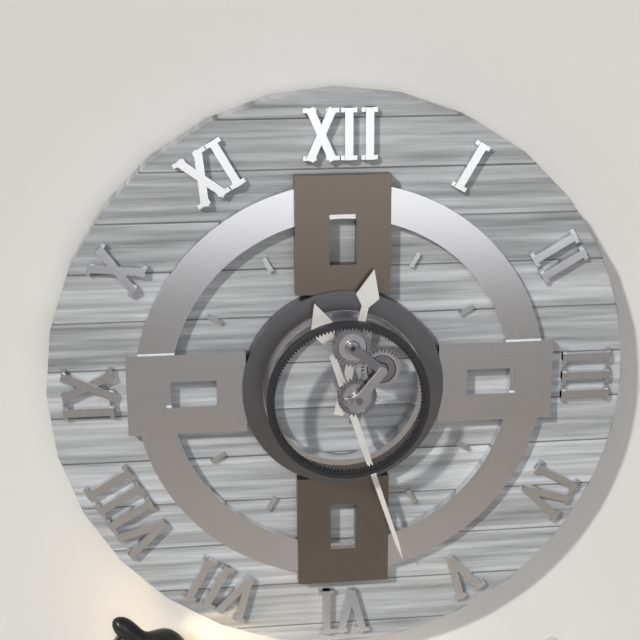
12:27
